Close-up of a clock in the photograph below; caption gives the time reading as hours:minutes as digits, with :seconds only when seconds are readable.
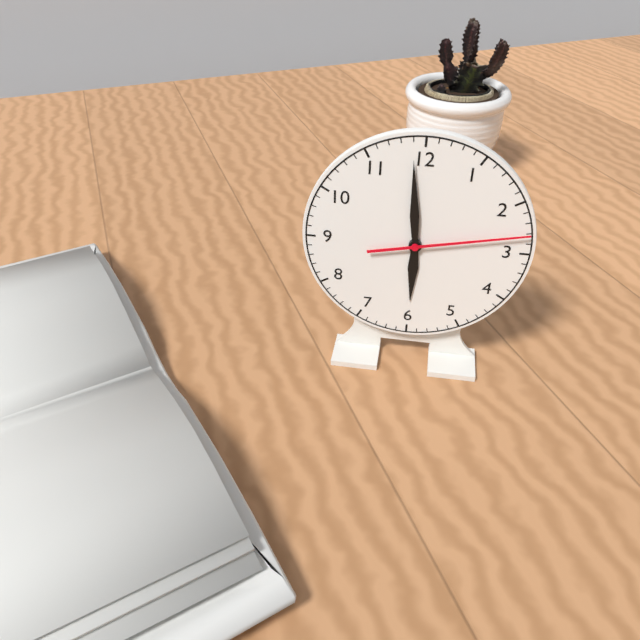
5:59:13
